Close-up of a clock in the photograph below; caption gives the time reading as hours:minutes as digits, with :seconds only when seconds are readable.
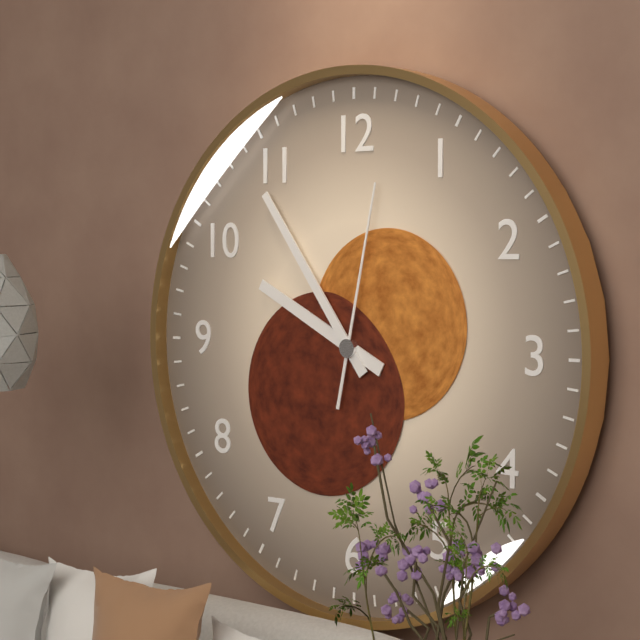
9:54:02
